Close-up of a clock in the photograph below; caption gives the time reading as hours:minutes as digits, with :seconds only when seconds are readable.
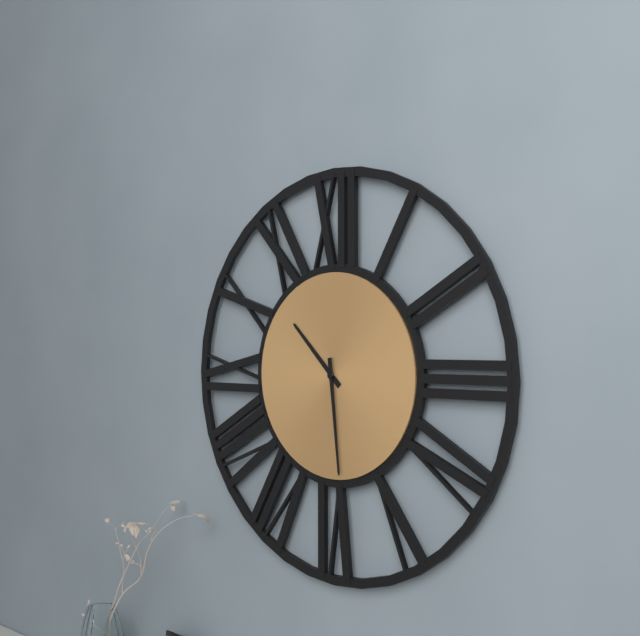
10:29
